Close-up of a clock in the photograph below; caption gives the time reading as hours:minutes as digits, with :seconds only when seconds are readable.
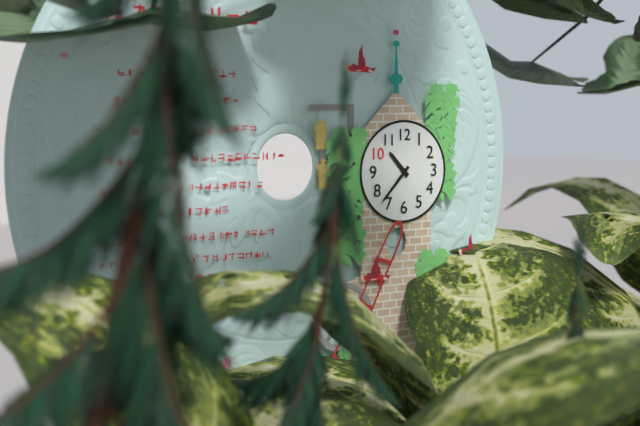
10:37
